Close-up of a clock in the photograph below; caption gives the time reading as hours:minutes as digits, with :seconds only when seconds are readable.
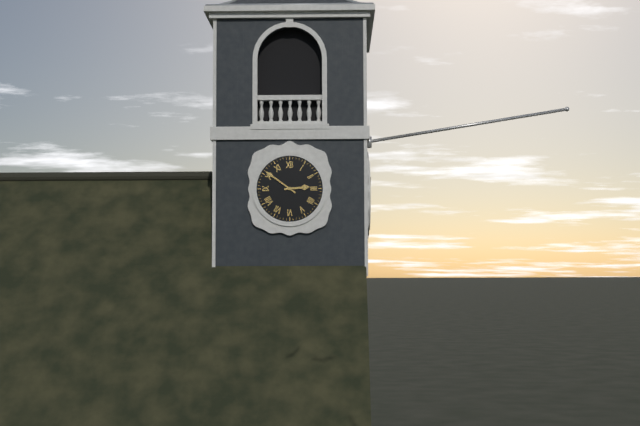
2:51
